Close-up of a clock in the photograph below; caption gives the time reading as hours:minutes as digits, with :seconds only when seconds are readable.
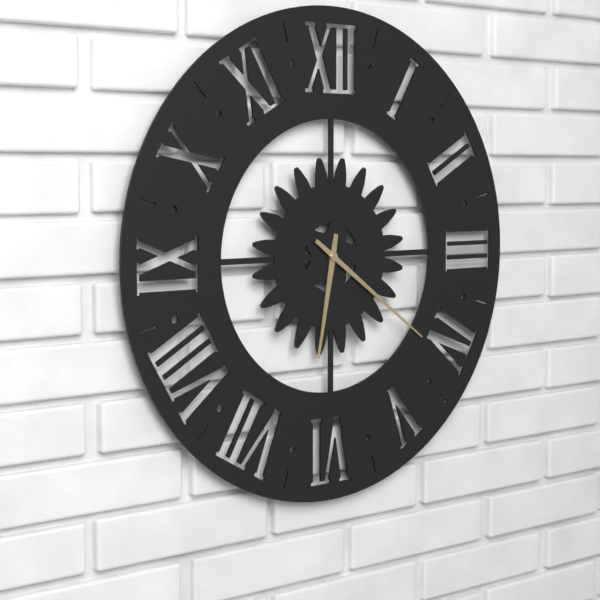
6:21
